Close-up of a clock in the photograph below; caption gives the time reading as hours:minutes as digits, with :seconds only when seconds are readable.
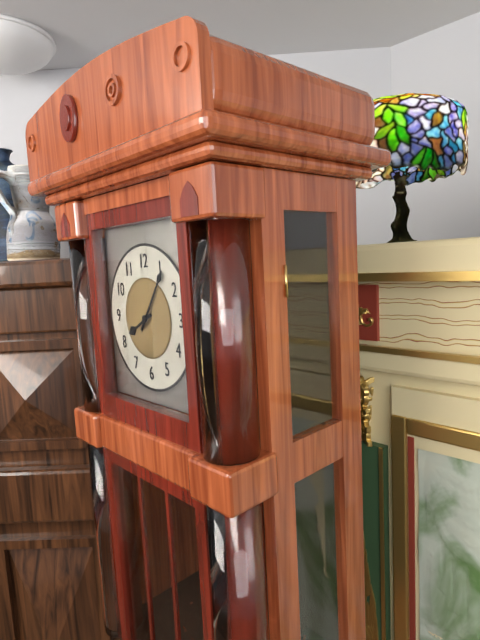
8:06
